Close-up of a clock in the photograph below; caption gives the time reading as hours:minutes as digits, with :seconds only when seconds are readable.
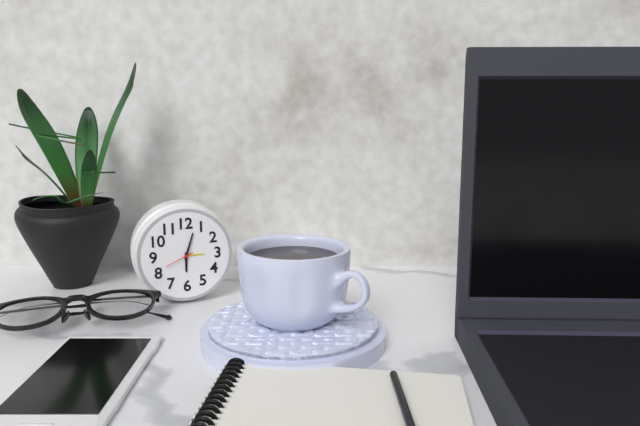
6:03
